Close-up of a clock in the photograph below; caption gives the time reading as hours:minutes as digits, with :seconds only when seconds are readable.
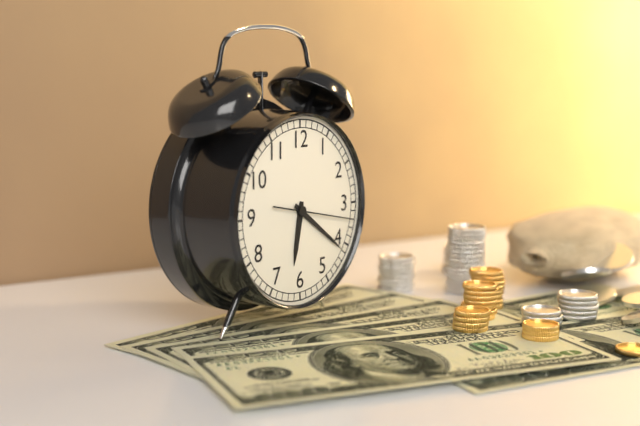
6:21:17
